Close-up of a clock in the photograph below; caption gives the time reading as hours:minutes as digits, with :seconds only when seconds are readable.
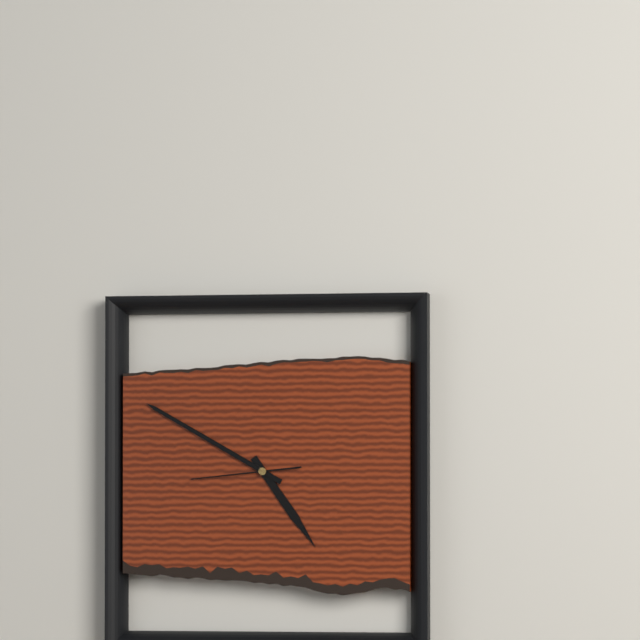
4:50:44
